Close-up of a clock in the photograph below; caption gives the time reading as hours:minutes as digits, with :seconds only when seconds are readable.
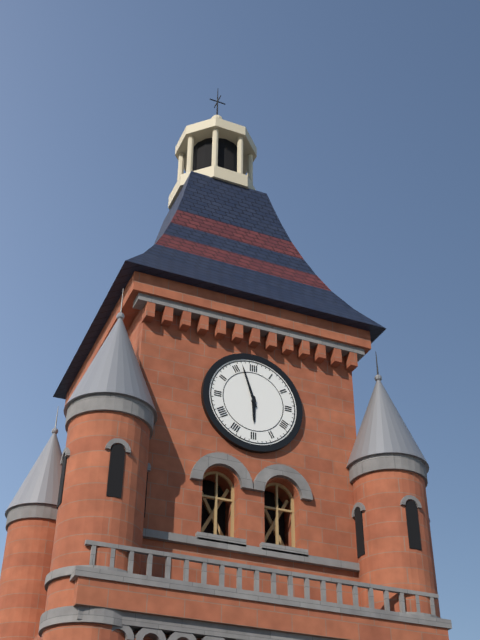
5:57
